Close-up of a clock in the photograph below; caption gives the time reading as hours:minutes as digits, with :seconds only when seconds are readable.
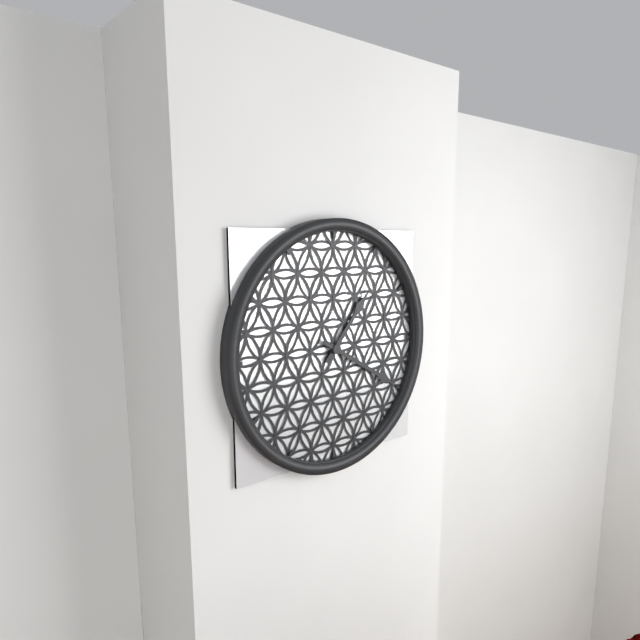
1:20
